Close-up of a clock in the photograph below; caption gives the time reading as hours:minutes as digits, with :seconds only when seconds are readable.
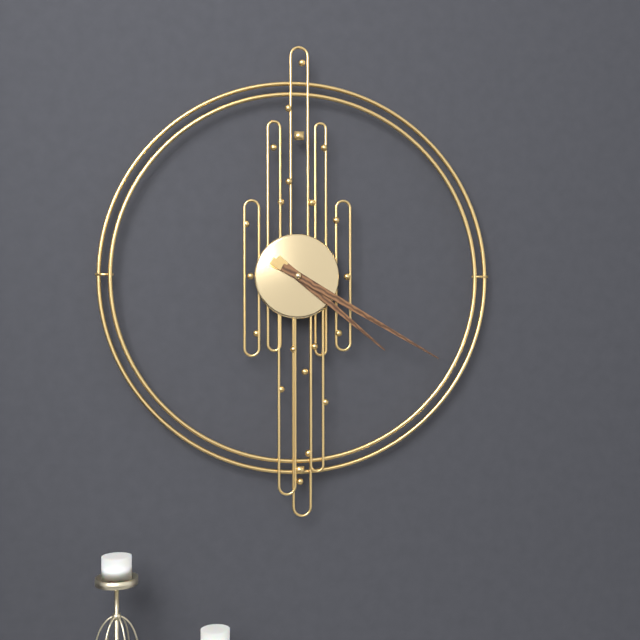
4:20
